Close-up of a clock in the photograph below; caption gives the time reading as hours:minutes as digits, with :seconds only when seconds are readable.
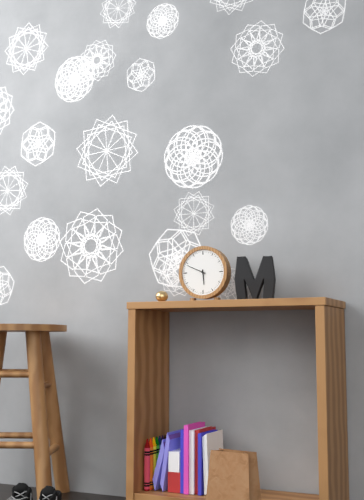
5:49
